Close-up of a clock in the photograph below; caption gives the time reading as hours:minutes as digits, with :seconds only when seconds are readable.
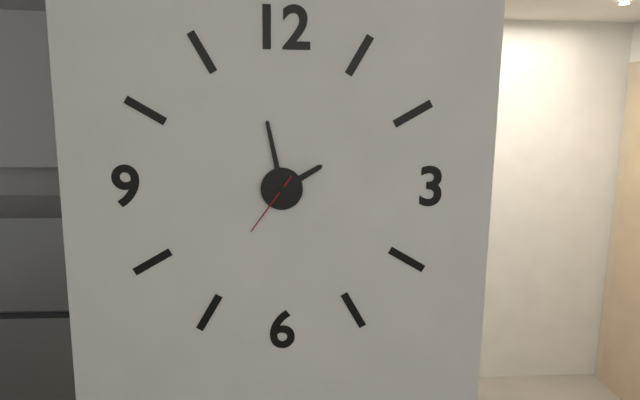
1:58:36
